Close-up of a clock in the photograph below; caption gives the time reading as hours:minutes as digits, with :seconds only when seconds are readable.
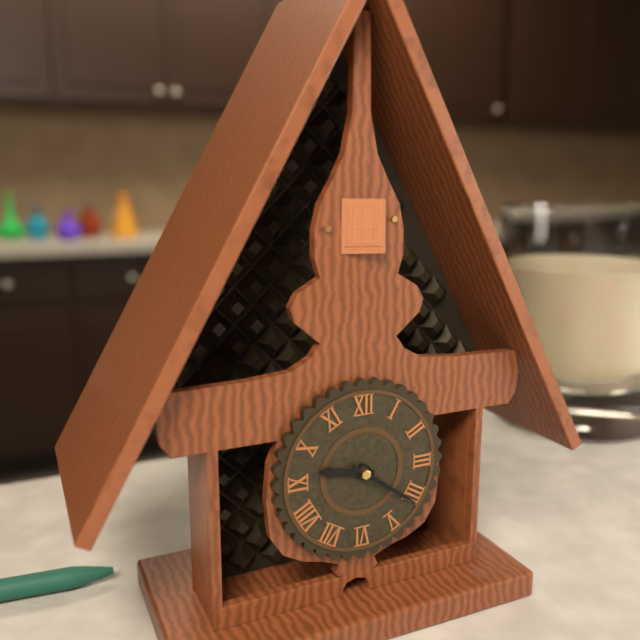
9:21
